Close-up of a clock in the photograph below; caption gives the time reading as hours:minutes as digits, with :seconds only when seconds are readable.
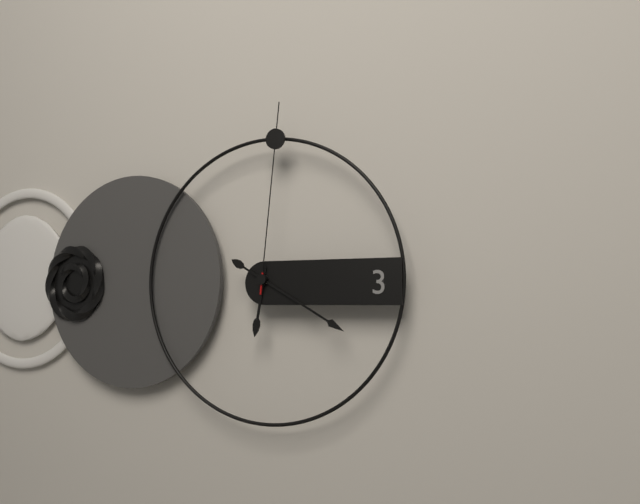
6:20:01
